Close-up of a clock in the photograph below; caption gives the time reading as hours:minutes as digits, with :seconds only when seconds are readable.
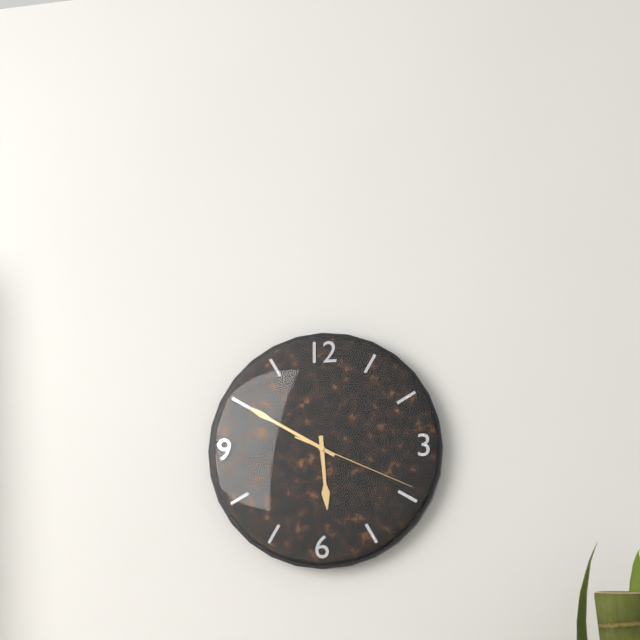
5:50:19
